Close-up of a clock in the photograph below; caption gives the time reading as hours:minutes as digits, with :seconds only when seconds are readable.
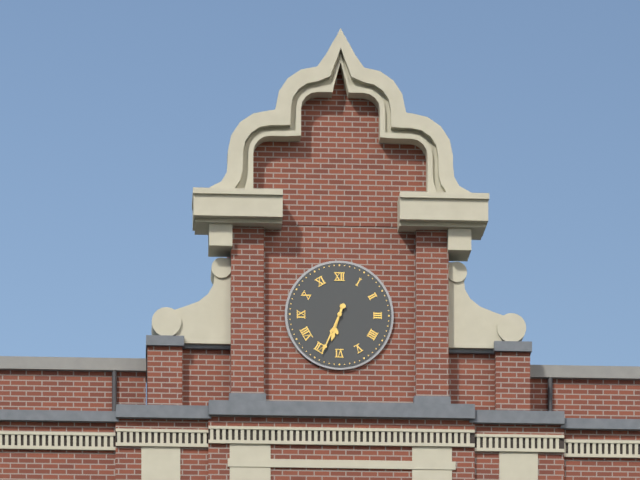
6:34
